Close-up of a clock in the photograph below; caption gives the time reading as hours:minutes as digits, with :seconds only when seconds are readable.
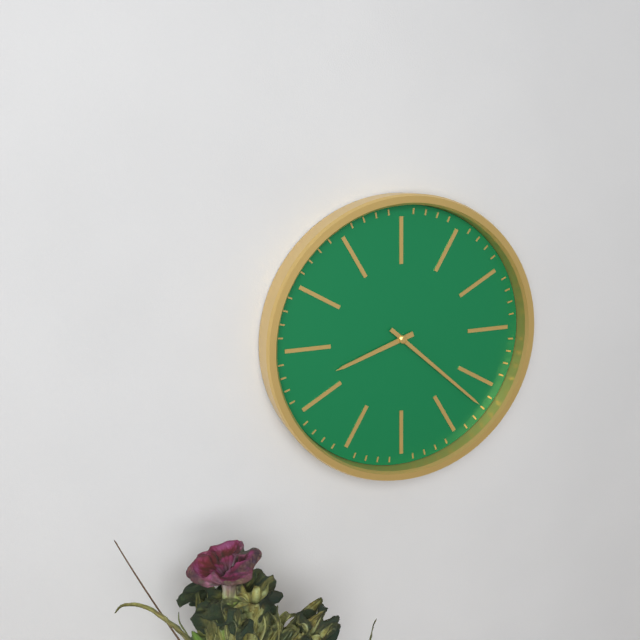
8:22
